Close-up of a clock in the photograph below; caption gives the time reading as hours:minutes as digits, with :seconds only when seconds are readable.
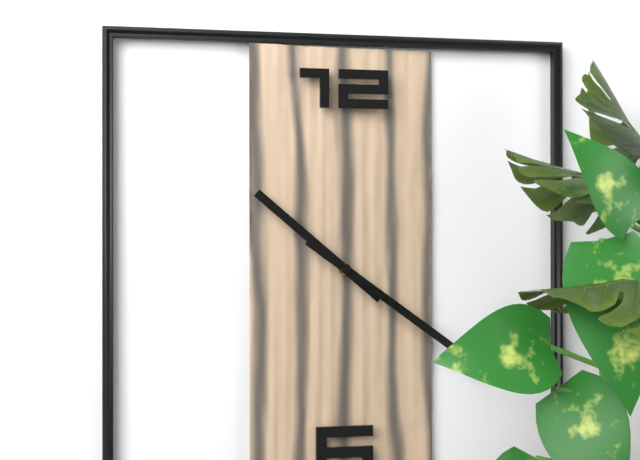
10:21
